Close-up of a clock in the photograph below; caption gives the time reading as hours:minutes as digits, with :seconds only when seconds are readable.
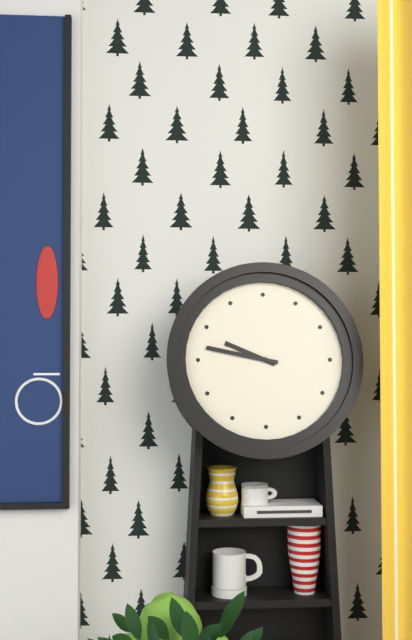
9:47
